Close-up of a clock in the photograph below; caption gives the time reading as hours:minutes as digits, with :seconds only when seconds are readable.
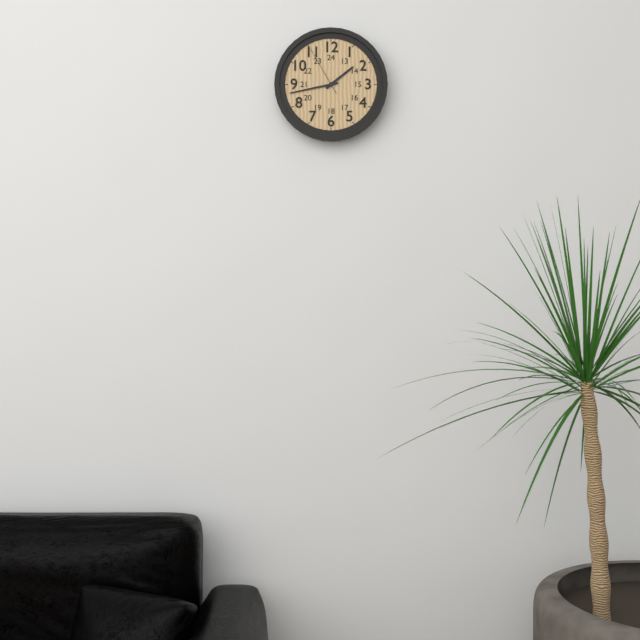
1:43:55
